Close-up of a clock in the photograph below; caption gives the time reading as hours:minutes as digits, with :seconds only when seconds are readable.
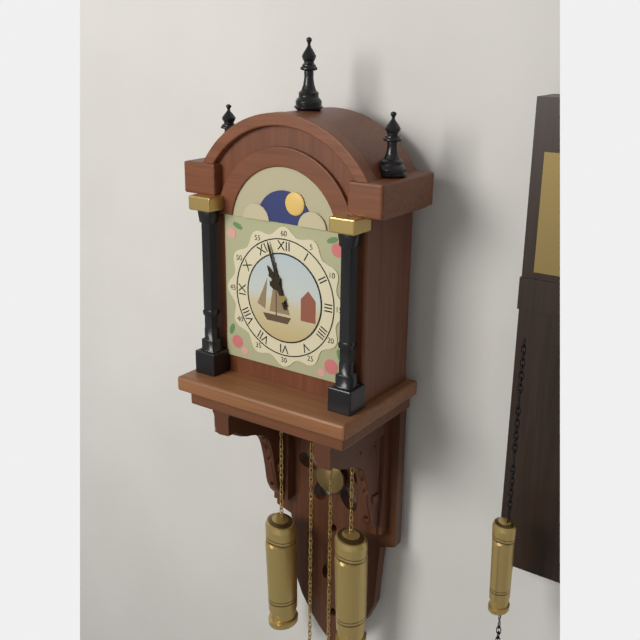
10:57
